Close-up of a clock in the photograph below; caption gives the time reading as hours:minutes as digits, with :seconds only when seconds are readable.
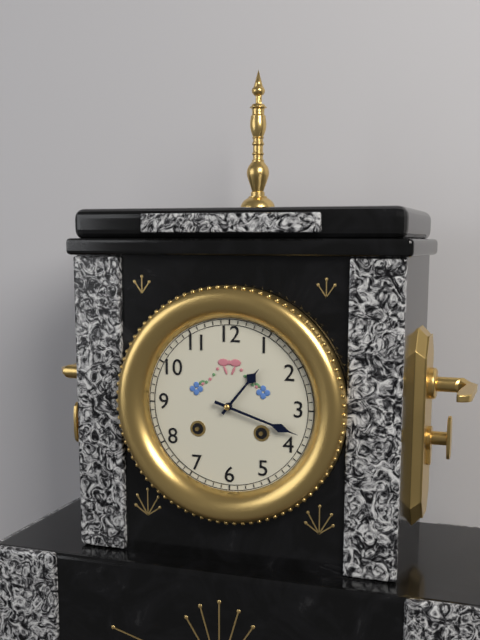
1:18
